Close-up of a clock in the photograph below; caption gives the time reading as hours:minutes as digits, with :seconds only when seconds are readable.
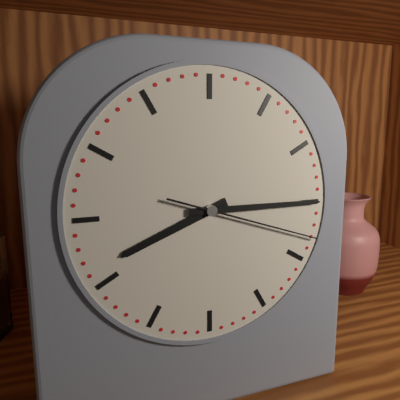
8:15:18
